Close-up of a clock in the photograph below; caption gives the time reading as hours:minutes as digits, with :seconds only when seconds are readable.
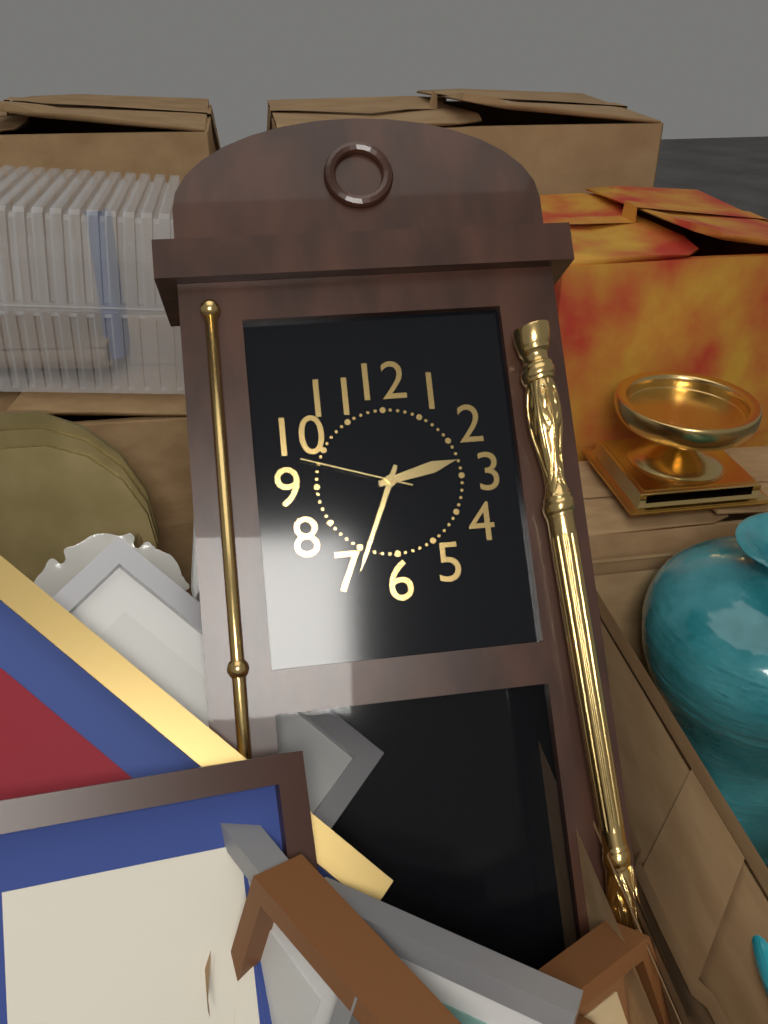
2:34:48
